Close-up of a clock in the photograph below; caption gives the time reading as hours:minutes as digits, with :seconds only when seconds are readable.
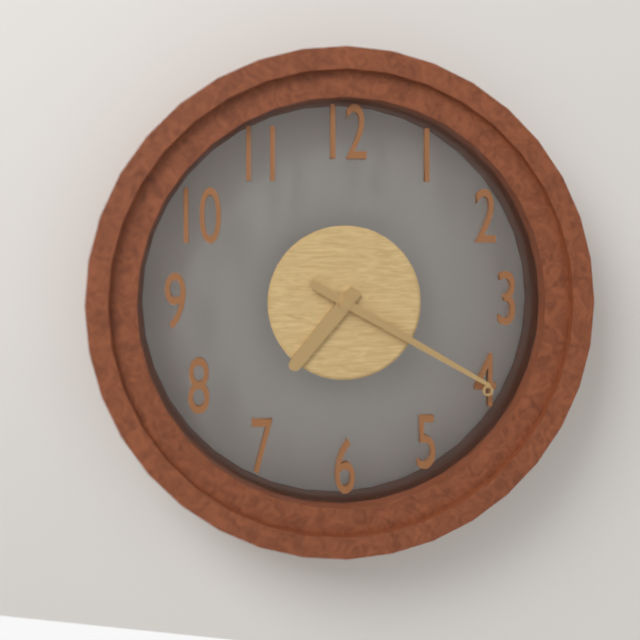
7:20
